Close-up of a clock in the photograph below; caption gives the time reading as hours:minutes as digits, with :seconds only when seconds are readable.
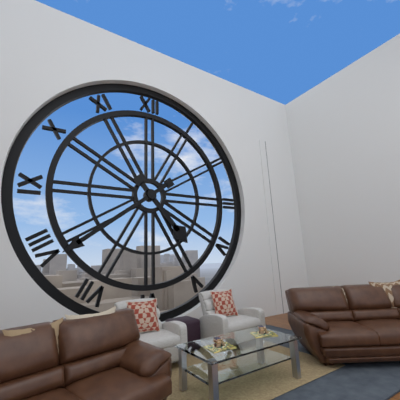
4:39
